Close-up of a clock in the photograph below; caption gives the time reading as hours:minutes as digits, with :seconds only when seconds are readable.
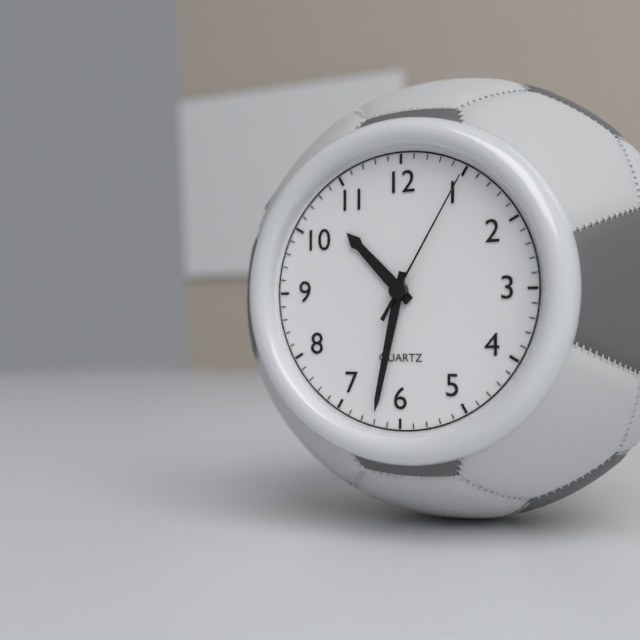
10:32:05
